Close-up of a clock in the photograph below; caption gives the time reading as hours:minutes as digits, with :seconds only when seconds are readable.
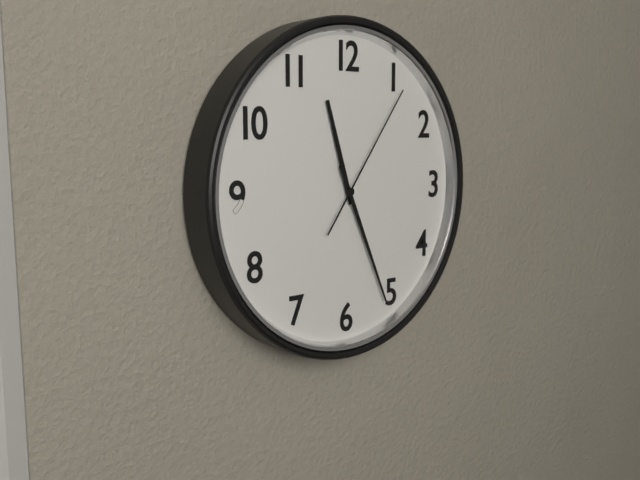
11:26:06
